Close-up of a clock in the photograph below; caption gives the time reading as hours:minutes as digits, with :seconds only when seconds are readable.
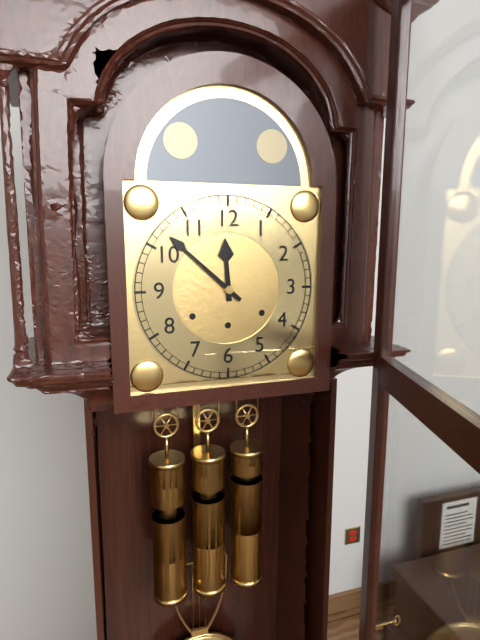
11:52
